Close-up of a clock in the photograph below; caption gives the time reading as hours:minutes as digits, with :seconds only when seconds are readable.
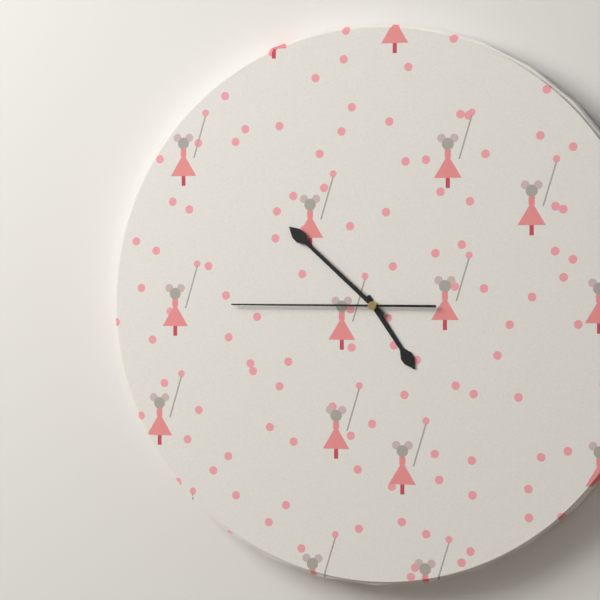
4:52:45
